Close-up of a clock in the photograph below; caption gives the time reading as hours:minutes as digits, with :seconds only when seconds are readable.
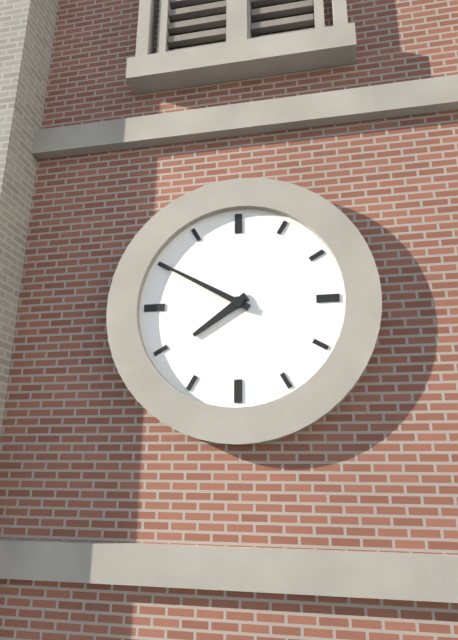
7:50
